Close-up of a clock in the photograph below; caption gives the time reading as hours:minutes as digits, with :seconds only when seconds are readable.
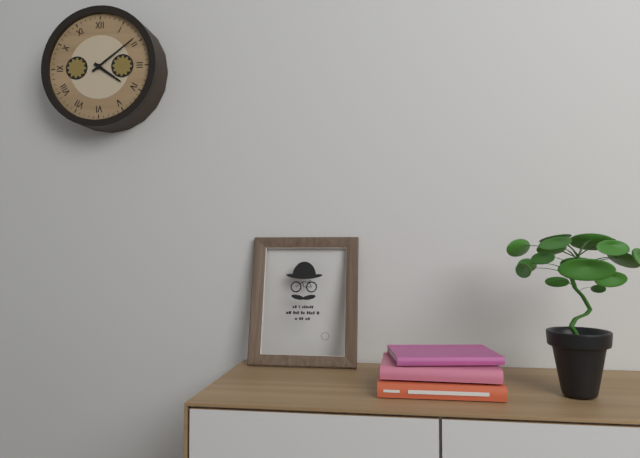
4:09
